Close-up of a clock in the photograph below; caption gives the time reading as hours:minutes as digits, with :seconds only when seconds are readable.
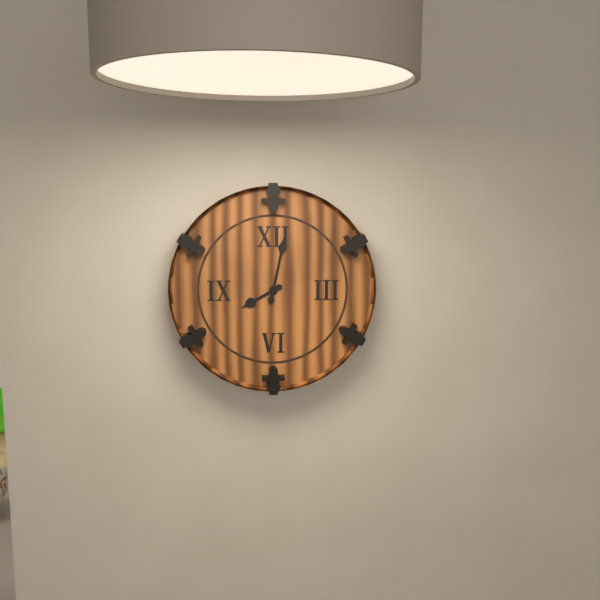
8:02
